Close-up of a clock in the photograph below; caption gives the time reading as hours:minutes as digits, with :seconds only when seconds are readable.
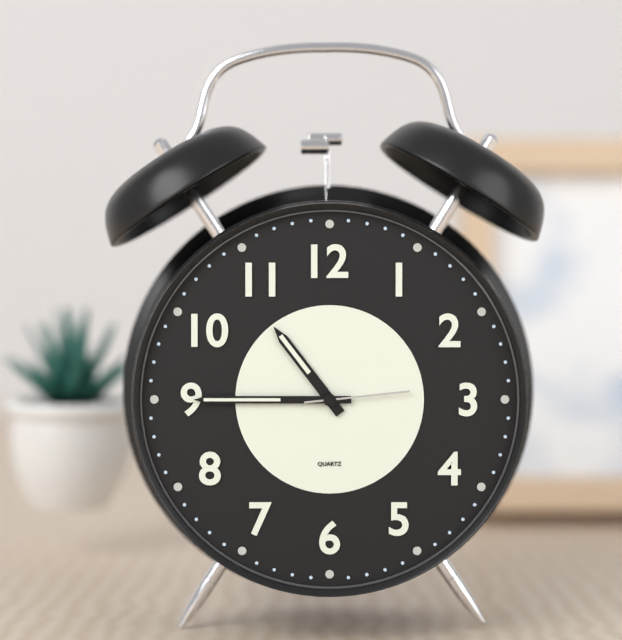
10:45:14
